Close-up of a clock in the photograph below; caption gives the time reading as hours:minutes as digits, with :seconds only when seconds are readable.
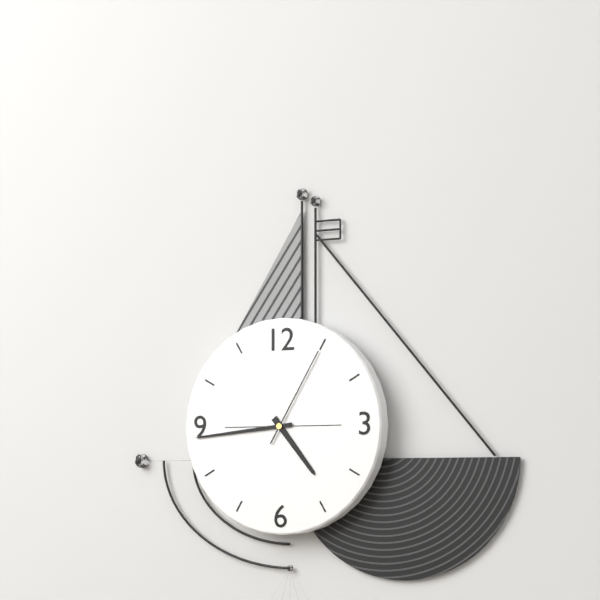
4:44:05
